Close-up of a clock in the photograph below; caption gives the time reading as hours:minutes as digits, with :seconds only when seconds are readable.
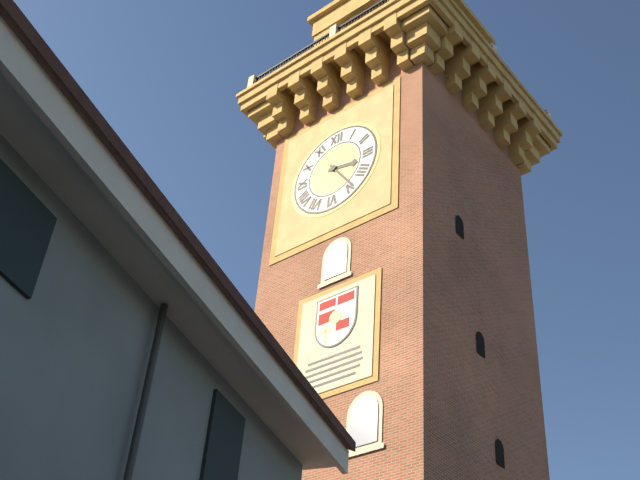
3:24
